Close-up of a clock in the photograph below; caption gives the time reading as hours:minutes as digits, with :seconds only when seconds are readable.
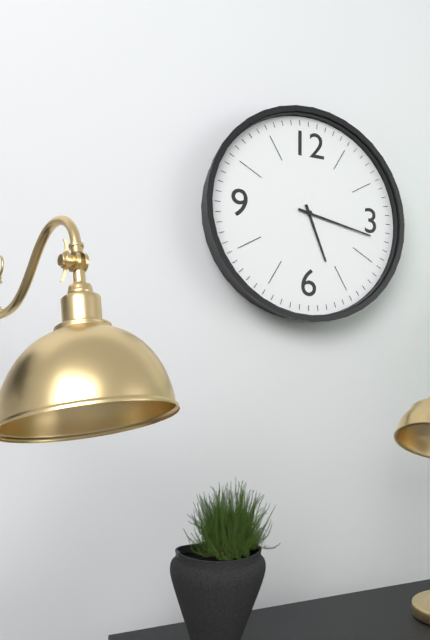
5:17
